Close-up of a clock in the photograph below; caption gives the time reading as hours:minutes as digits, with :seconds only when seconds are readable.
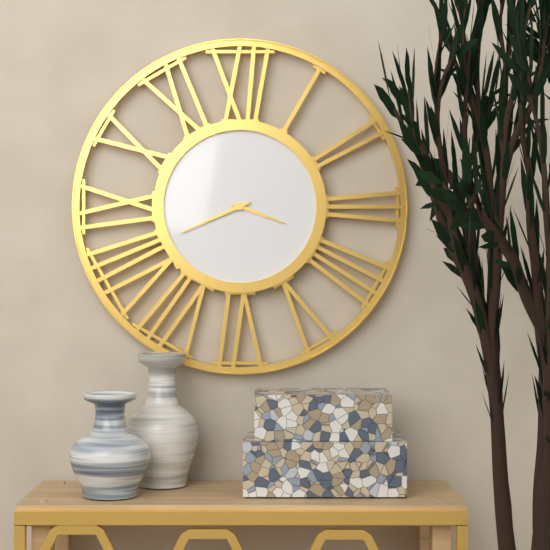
3:41
